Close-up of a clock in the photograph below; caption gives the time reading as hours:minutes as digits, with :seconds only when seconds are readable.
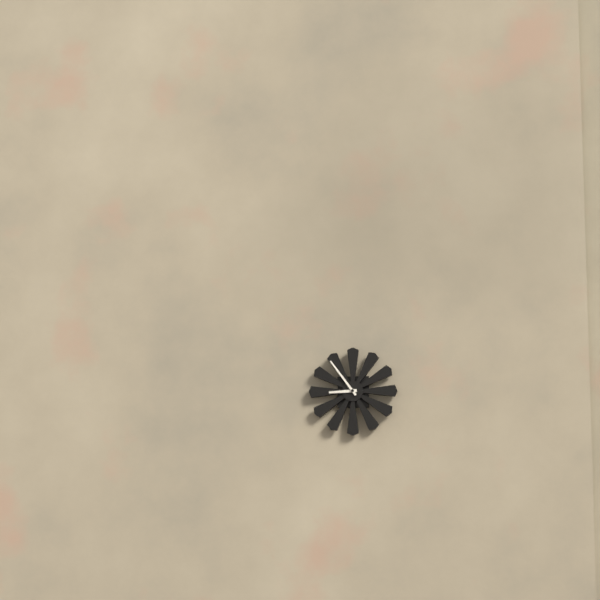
8:54
